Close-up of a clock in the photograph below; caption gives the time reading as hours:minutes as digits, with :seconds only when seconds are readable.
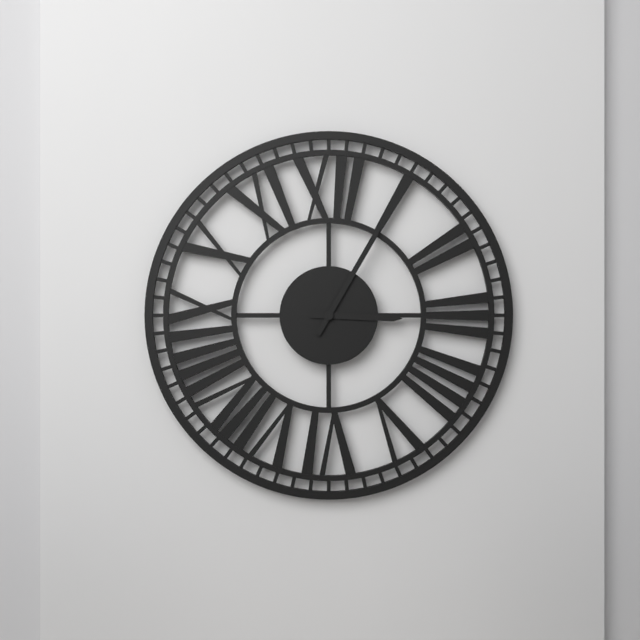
3:05
